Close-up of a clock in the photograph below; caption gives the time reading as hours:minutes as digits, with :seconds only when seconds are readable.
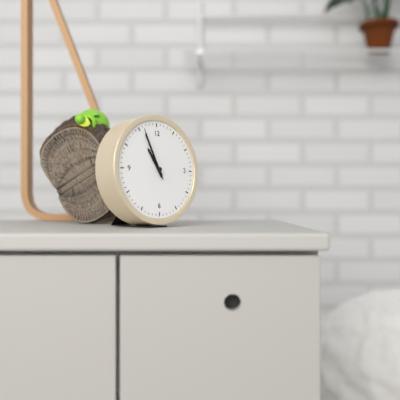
10:56:56
